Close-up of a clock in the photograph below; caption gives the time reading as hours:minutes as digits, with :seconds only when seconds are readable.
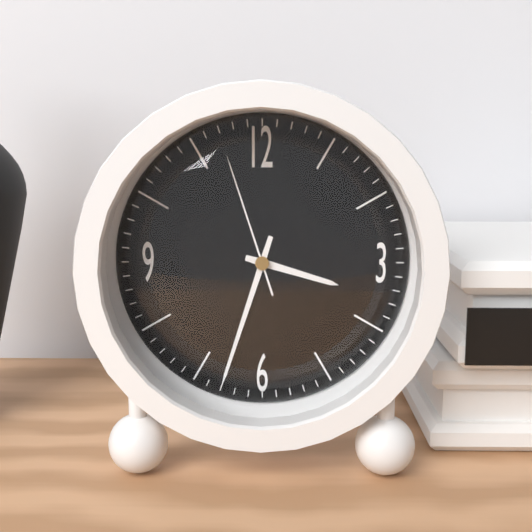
3:33:57
